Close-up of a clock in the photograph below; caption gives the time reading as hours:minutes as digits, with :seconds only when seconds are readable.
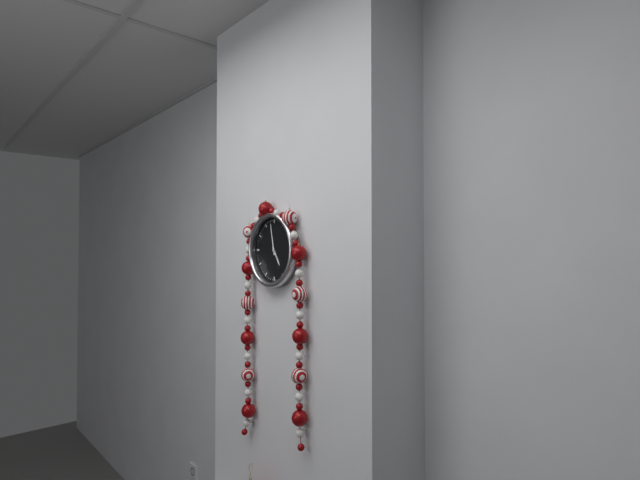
4:58
